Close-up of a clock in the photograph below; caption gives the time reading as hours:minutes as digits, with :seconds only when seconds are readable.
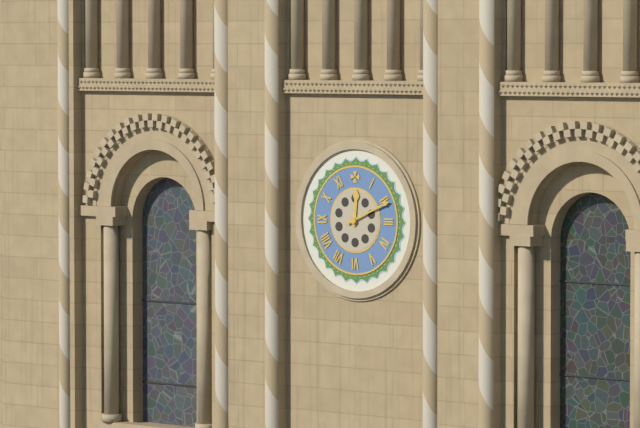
12:11
